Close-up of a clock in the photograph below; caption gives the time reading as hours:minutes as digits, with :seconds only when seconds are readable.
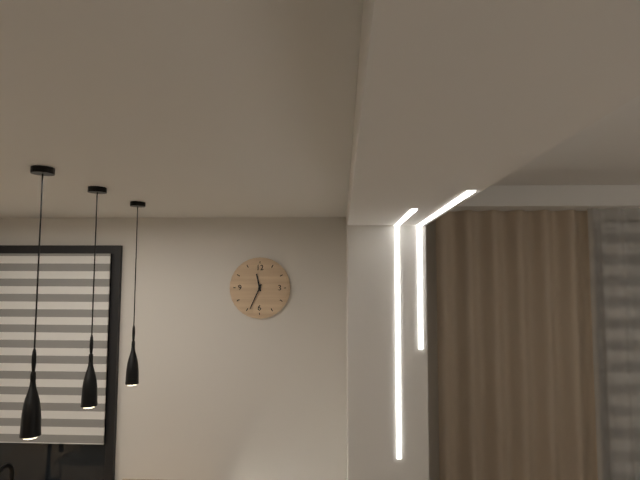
11:34
